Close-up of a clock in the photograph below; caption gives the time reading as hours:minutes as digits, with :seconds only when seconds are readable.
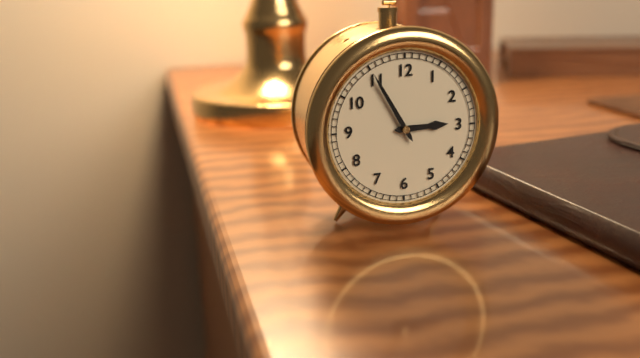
2:55
